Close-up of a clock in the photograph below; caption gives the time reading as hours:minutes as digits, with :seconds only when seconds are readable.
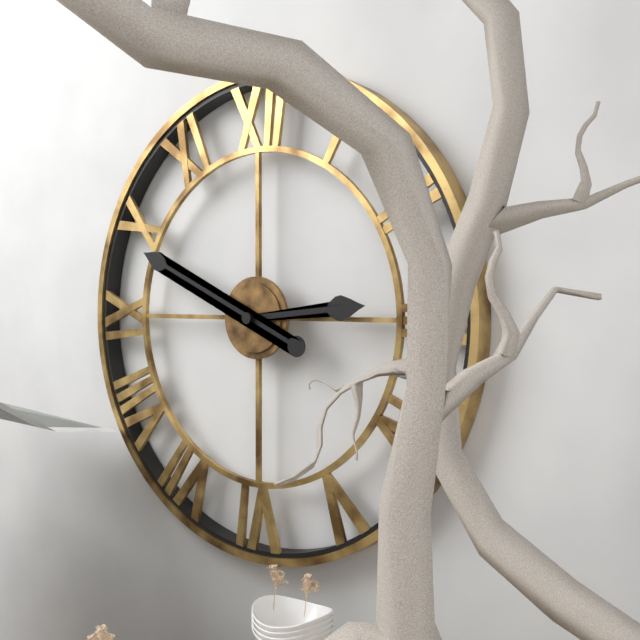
2:49
